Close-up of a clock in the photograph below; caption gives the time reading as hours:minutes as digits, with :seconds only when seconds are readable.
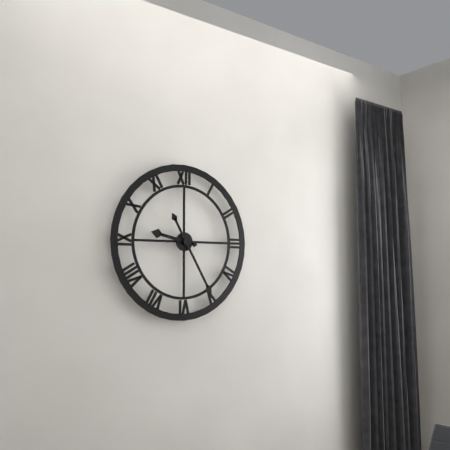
9:25
